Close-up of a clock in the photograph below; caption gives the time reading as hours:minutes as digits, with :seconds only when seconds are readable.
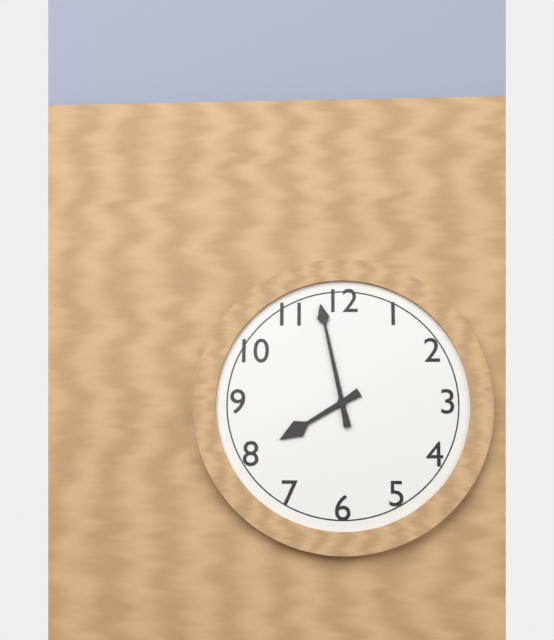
7:58
